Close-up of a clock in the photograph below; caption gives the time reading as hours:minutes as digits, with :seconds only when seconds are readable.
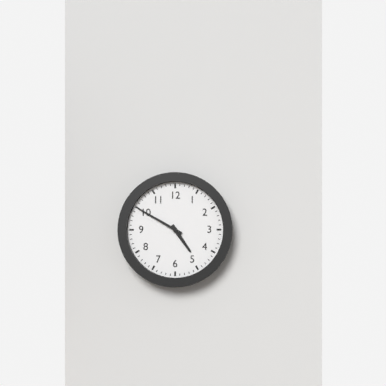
4:50
